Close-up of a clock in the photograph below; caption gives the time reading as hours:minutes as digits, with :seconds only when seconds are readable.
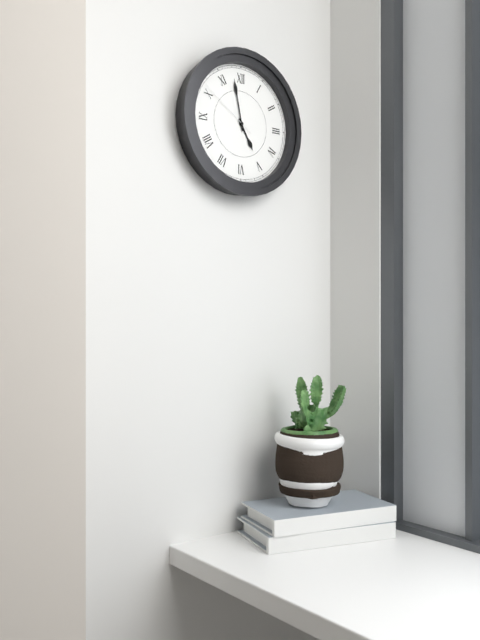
4:58:51
